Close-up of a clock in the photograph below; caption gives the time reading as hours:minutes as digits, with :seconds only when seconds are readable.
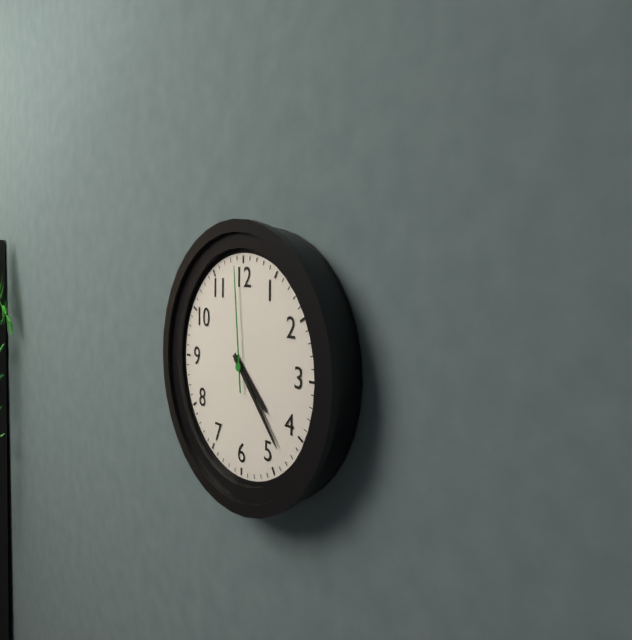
4:23:59
